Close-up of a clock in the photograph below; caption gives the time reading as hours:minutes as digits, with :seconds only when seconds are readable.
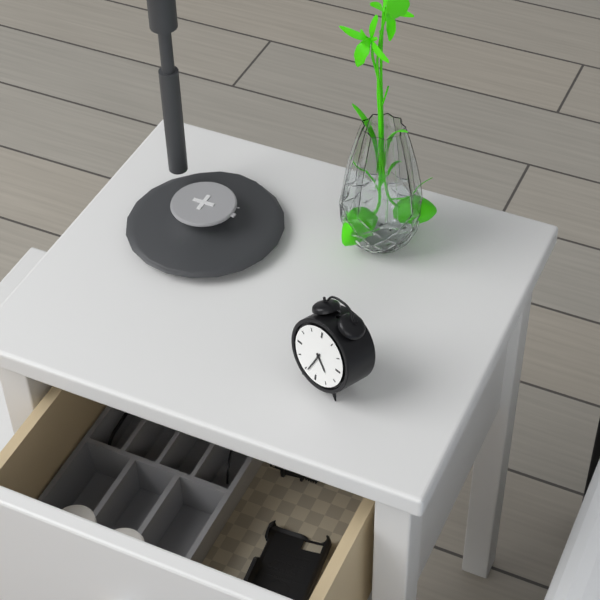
4:34
